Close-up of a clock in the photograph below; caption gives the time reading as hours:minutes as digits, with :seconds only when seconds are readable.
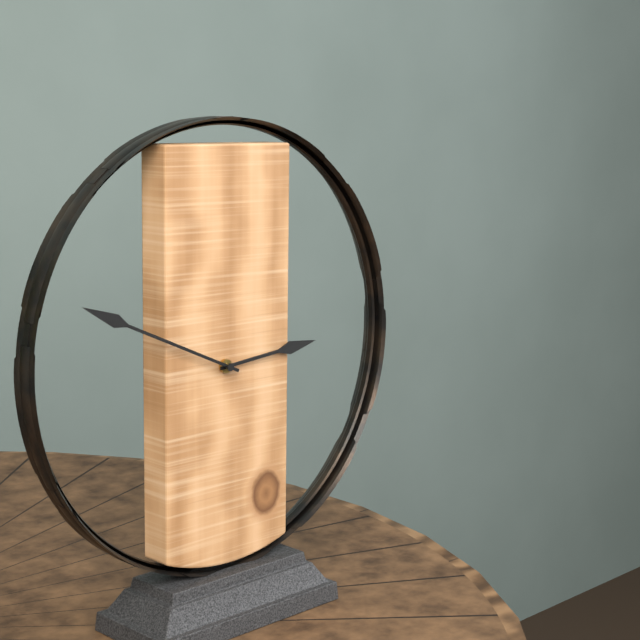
2:49
